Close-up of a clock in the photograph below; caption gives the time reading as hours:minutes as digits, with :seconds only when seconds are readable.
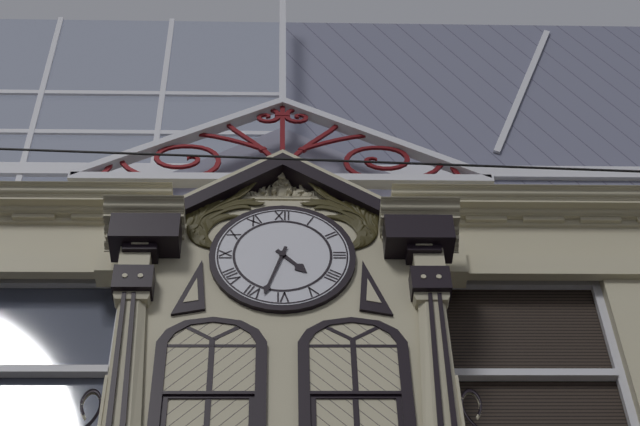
4:33
